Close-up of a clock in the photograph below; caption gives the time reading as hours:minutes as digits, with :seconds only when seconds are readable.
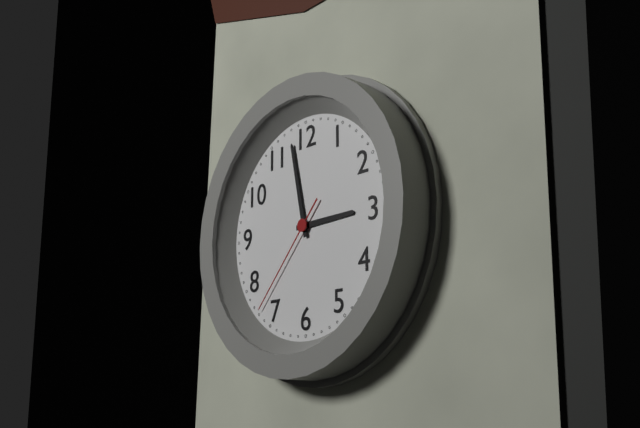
2:58:37
